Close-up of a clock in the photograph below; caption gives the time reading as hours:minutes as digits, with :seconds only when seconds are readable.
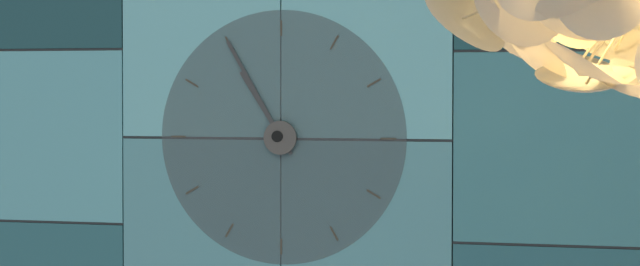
10:55
